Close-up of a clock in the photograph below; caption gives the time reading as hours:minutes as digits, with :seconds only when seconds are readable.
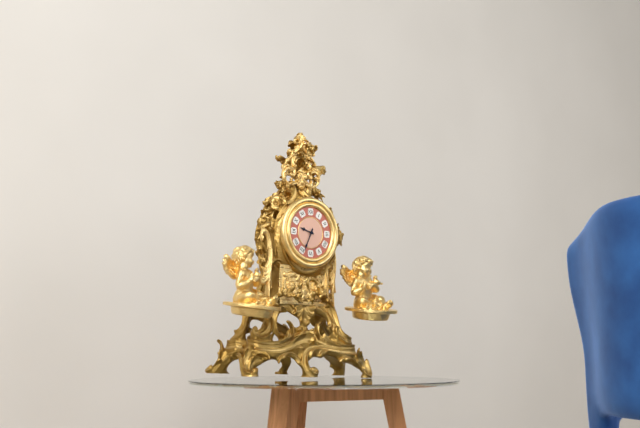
9:34
